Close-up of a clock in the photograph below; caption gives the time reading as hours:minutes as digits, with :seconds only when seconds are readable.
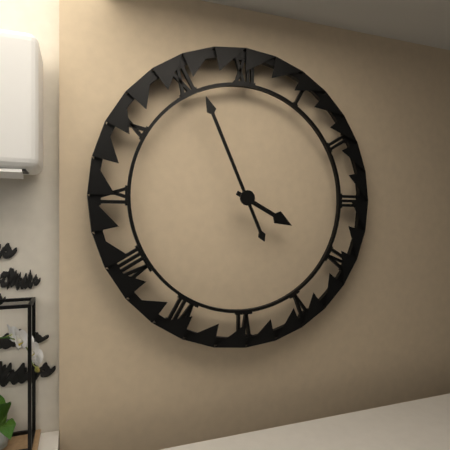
3:56
